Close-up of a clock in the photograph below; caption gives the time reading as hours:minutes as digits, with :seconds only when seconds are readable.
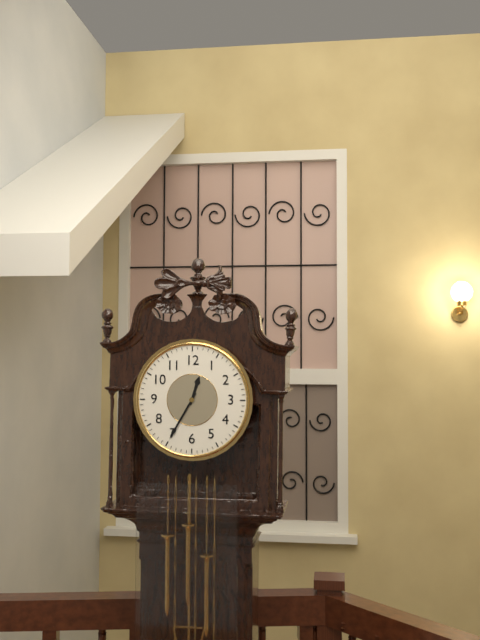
12:35
